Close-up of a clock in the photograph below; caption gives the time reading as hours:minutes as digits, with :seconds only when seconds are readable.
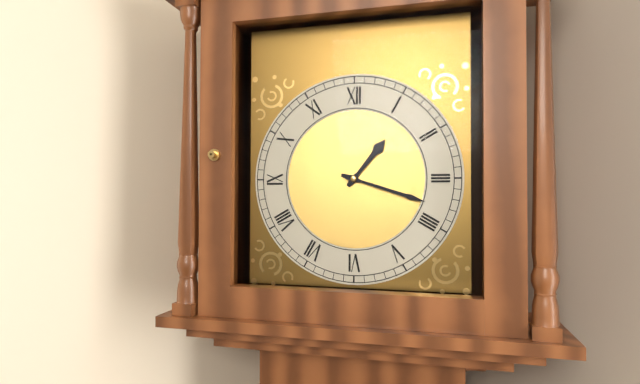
1:18
